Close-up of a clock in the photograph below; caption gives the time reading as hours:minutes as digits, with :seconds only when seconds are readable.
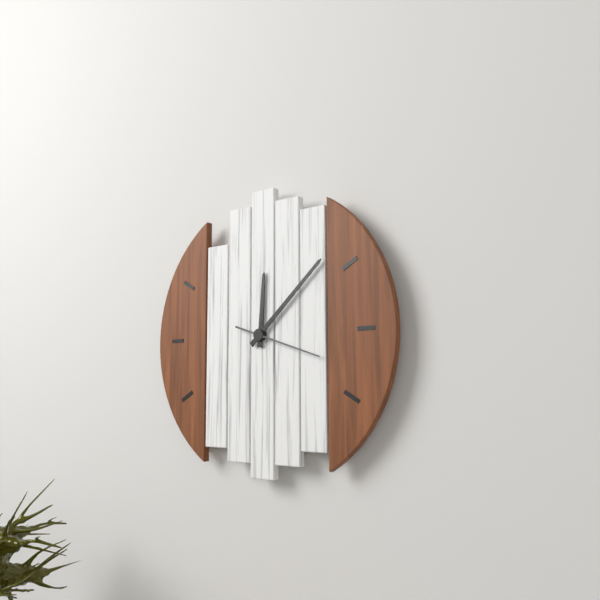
12:08:18
